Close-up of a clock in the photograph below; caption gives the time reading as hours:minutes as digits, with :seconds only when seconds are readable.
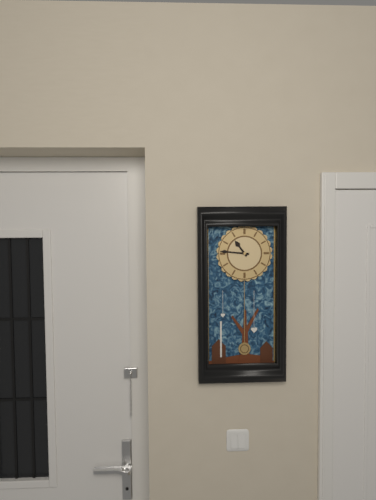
10:46
